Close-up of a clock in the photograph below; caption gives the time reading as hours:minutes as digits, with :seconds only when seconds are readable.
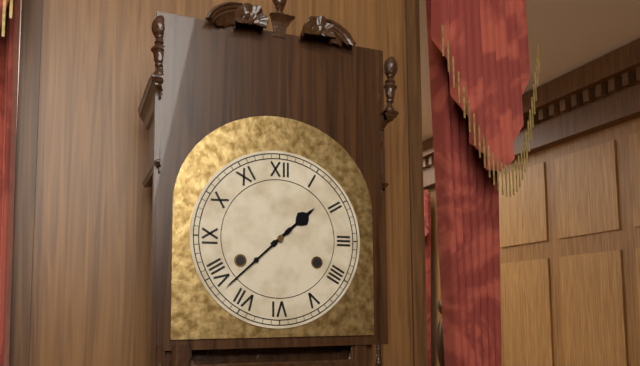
1:38
